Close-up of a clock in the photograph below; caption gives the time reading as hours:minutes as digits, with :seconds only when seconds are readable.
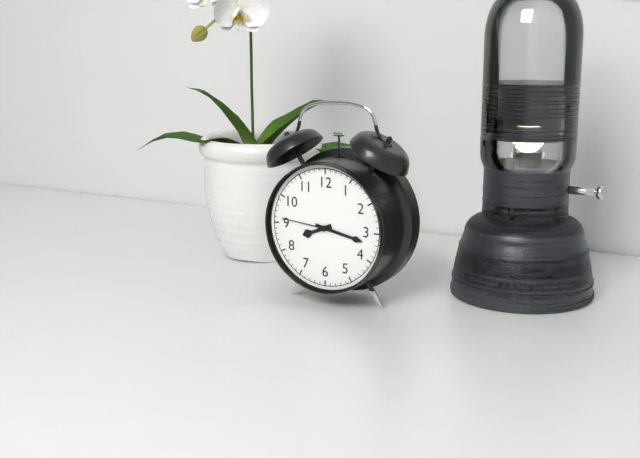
8:17:46
